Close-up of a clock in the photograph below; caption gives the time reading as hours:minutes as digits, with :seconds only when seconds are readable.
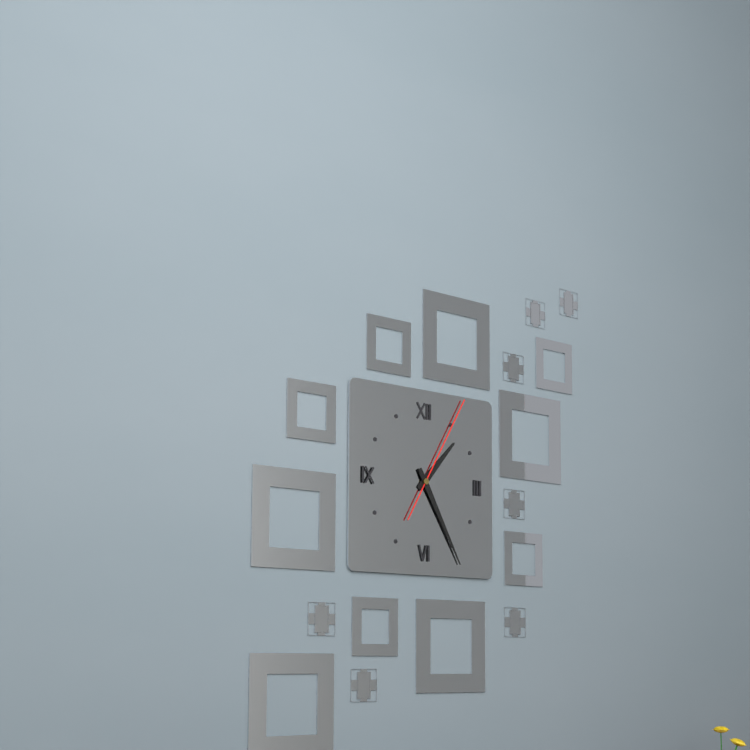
1:25:05
